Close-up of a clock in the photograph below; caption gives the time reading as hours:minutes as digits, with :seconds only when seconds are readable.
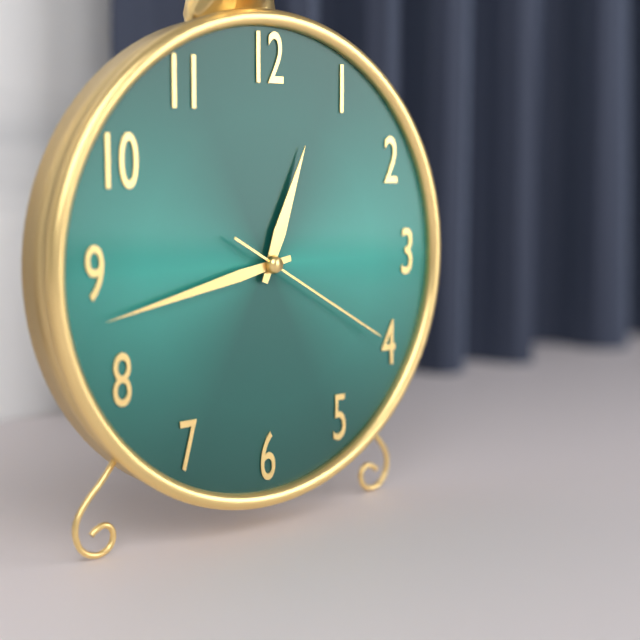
12:43:20
